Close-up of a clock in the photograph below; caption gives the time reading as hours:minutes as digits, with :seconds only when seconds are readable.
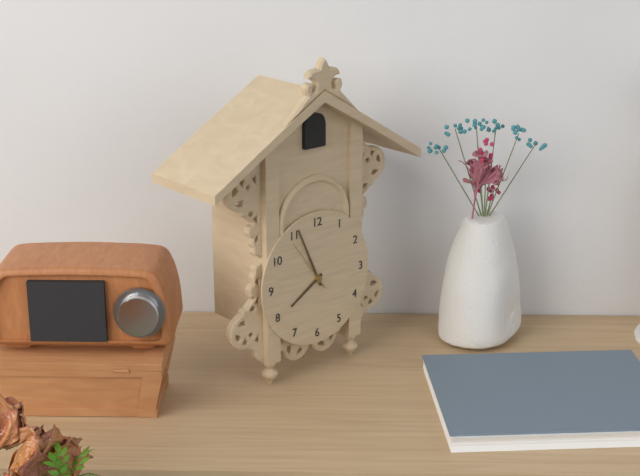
7:56:54
